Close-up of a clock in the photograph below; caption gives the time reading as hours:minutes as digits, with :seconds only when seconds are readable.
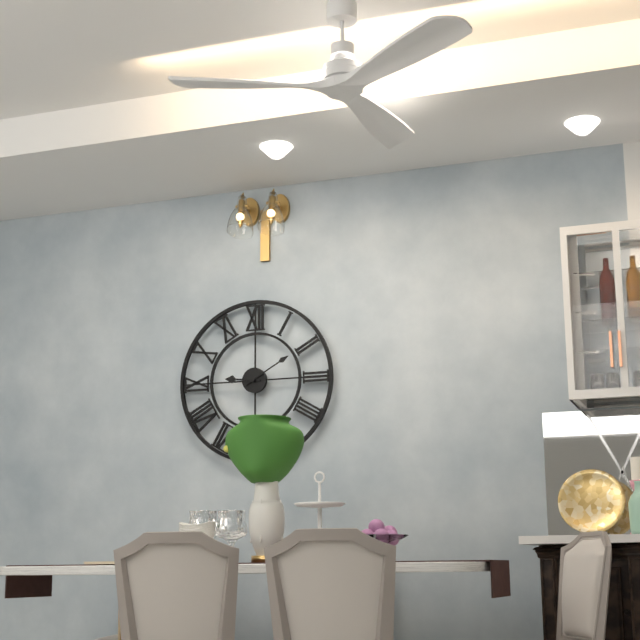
9:10
